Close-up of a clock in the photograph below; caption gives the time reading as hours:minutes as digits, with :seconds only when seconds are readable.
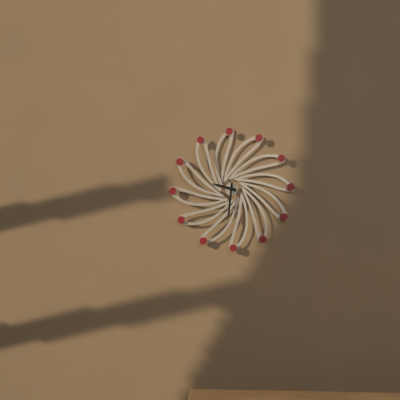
9:31
